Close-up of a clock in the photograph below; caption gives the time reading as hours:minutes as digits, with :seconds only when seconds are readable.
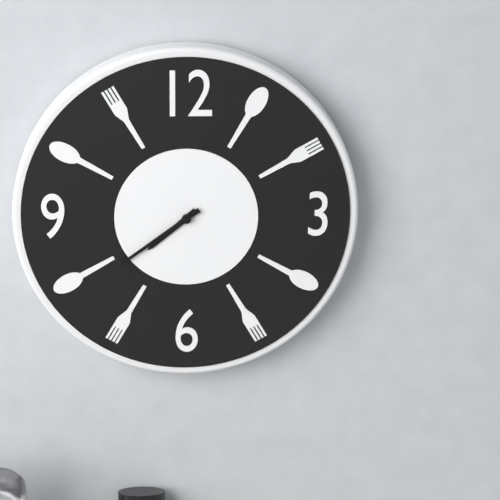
7:39
